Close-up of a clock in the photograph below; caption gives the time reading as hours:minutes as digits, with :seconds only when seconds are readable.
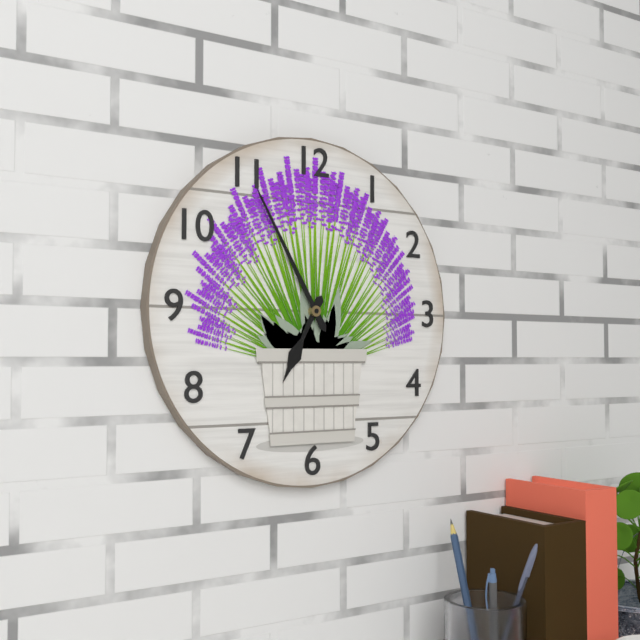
6:55
